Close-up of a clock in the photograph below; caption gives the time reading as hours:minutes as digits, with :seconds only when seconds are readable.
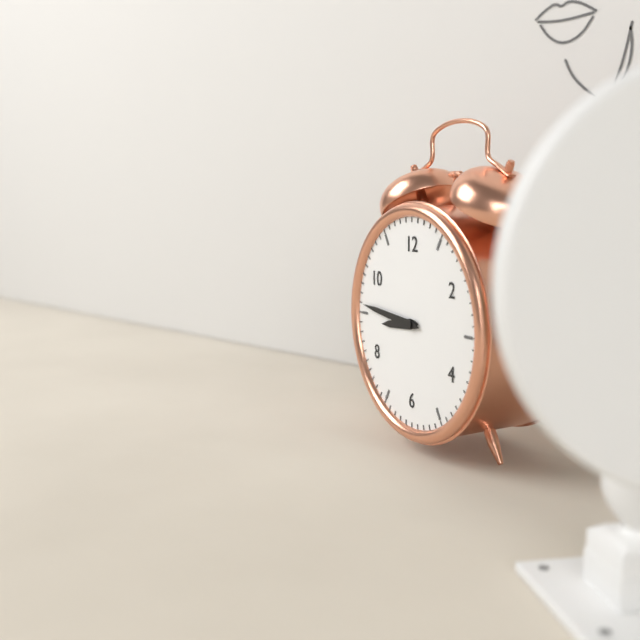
8:46
